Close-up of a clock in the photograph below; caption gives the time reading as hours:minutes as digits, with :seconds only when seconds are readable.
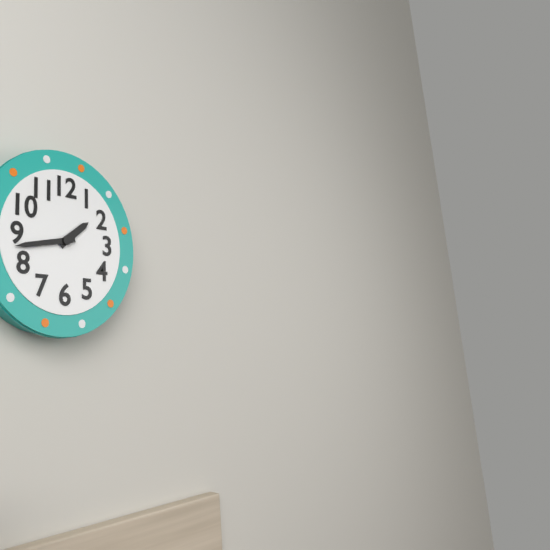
1:43
